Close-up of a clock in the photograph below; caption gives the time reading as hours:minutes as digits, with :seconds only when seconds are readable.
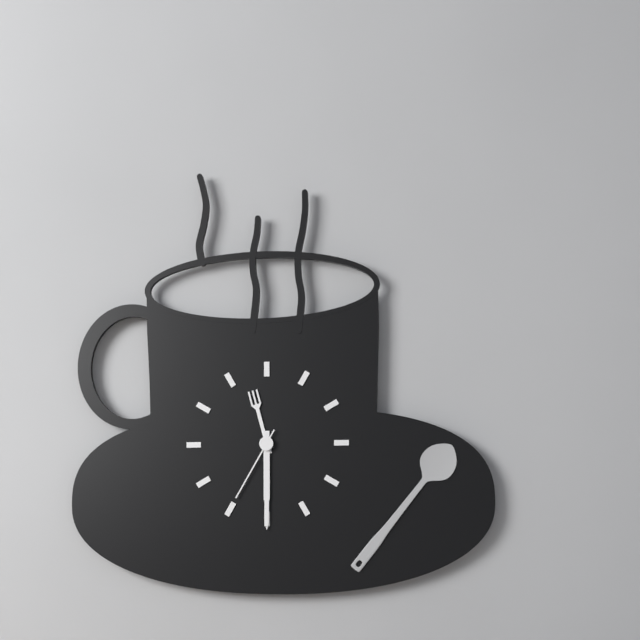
11:30:35
